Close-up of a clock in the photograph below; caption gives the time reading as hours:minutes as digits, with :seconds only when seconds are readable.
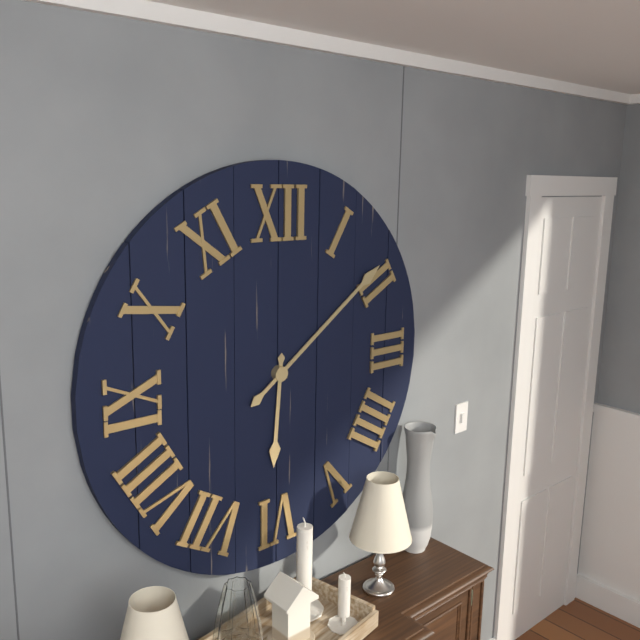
6:09
